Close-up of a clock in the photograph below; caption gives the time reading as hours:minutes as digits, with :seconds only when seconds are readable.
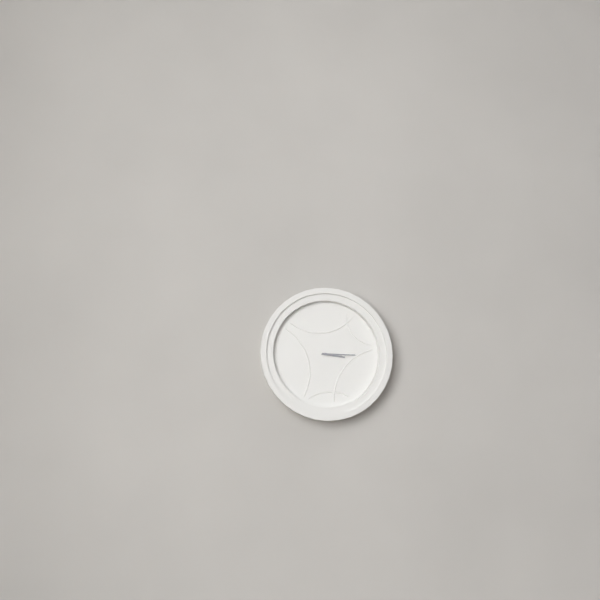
3:15
